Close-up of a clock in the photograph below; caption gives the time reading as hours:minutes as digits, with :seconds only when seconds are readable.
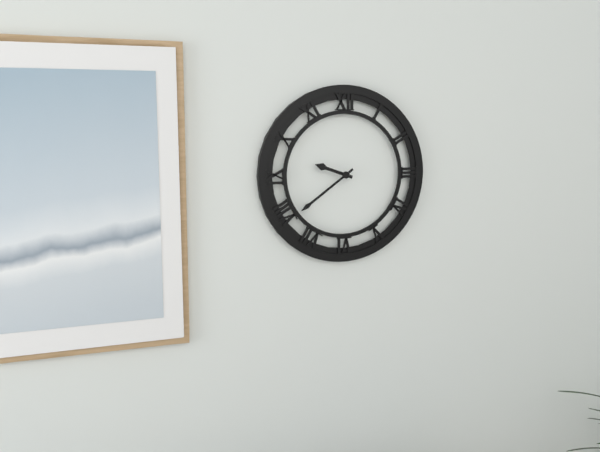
9:39
